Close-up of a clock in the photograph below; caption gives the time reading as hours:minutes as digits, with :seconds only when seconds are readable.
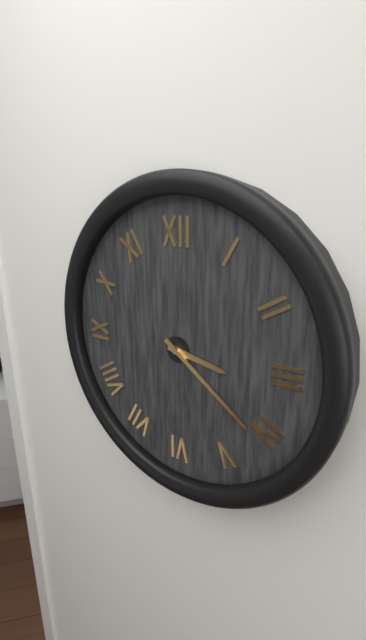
3:21
